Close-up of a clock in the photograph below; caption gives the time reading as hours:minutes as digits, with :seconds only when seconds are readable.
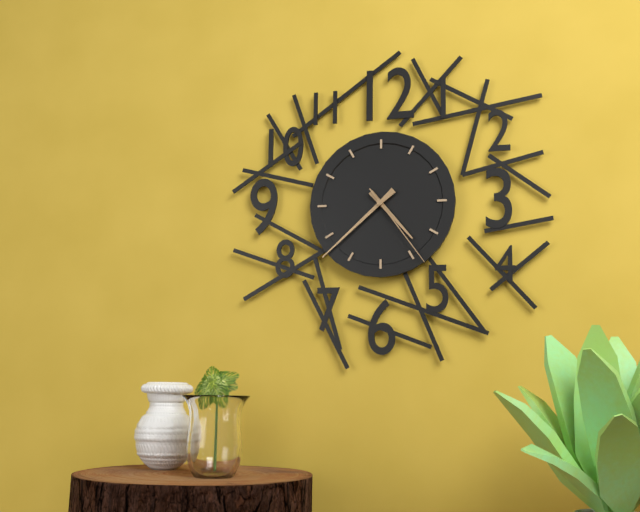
4:38:24
